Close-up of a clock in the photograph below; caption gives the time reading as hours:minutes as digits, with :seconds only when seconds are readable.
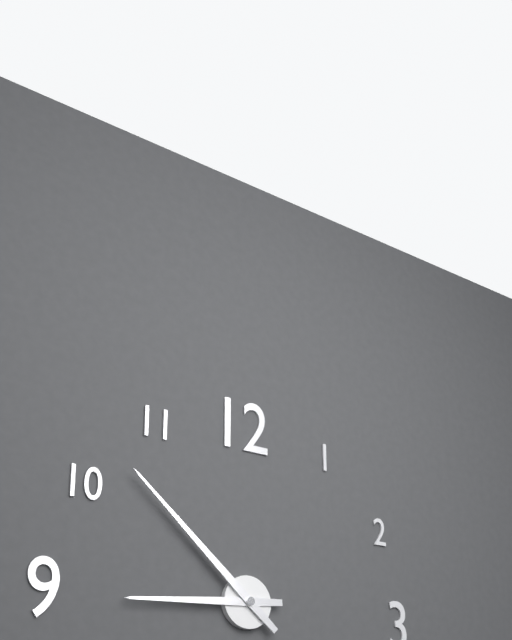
8:52
